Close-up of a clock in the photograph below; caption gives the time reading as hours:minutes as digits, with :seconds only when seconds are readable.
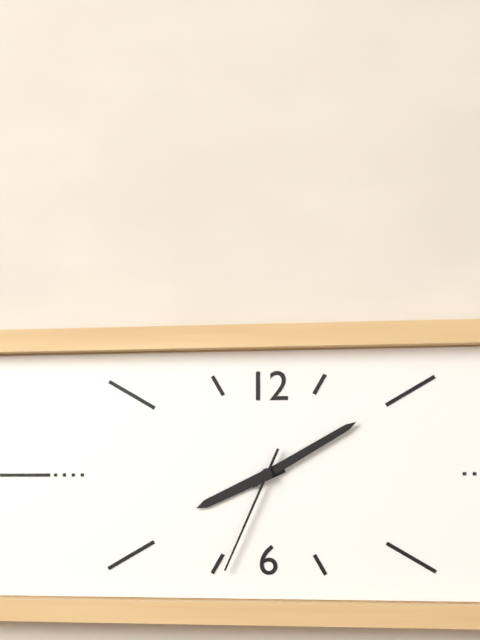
8:10:34
